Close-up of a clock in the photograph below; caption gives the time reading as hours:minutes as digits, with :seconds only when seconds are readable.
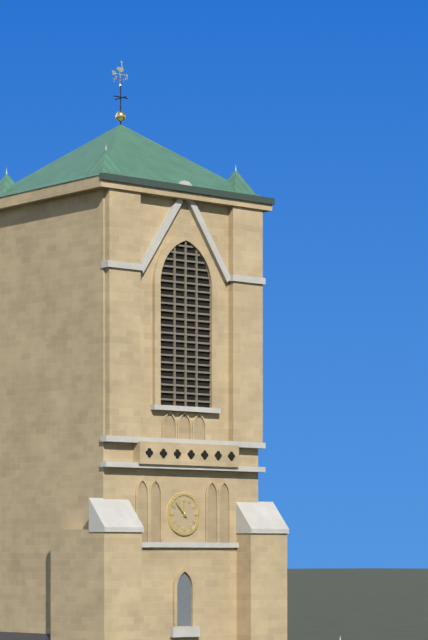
11:53
